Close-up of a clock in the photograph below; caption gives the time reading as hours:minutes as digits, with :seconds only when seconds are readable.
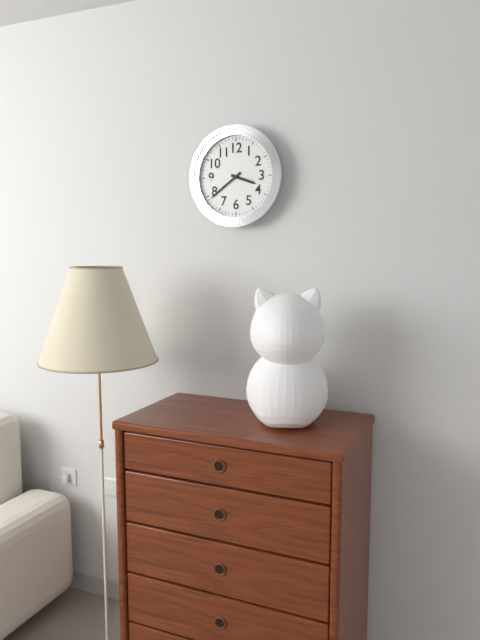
3:39
